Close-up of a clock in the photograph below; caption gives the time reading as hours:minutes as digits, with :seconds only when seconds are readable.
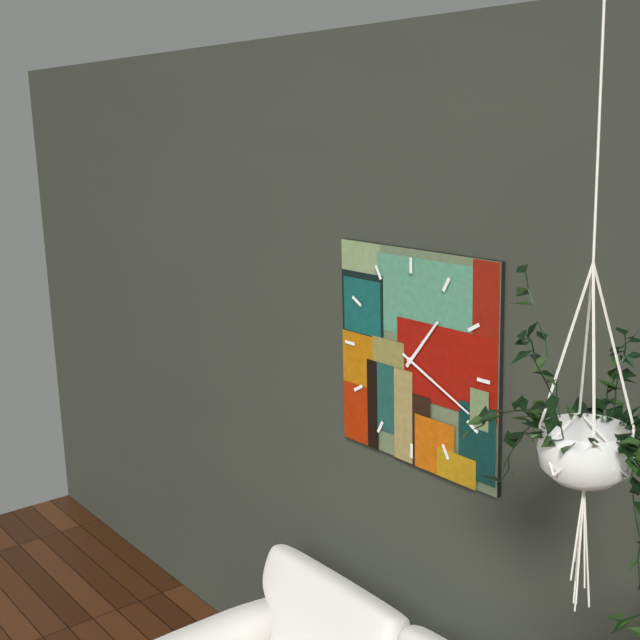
1:19
